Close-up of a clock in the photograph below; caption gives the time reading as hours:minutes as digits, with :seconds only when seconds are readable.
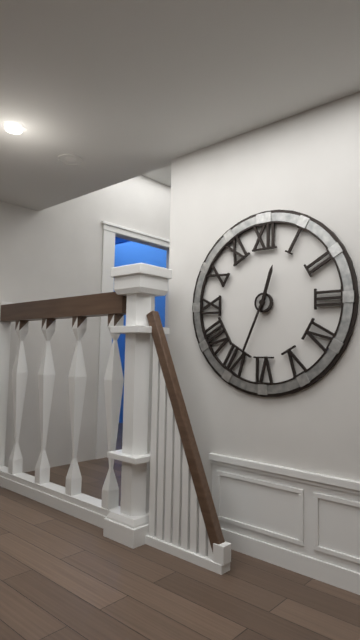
12:34
